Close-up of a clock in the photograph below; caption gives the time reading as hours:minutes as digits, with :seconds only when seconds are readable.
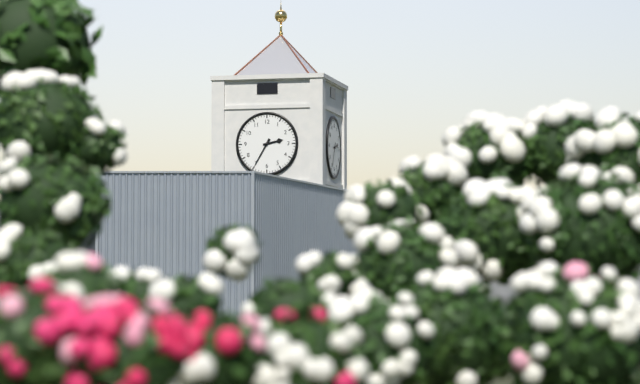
2:35
